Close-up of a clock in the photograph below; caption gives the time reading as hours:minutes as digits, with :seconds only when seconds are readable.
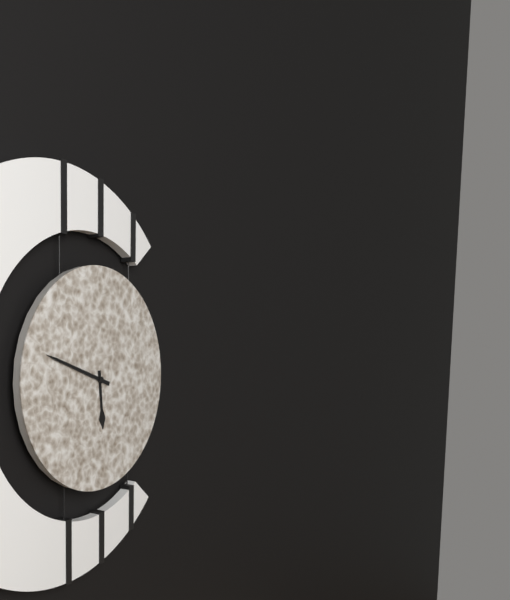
5:48
